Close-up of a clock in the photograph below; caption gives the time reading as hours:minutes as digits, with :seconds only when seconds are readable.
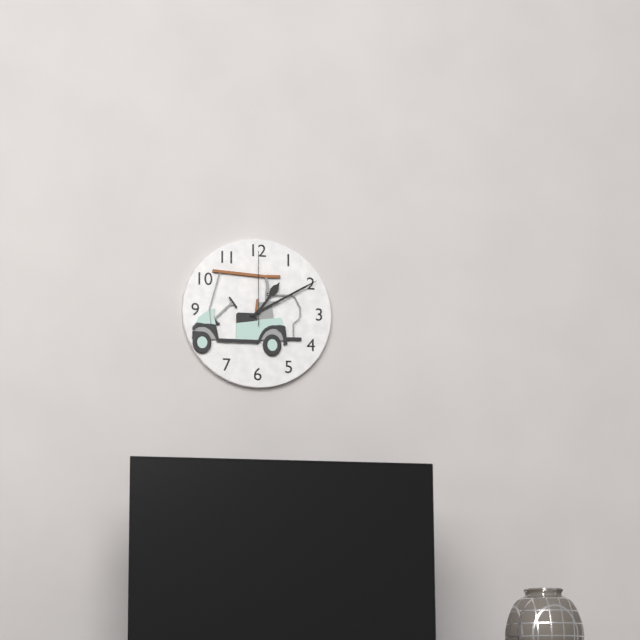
1:10:00
